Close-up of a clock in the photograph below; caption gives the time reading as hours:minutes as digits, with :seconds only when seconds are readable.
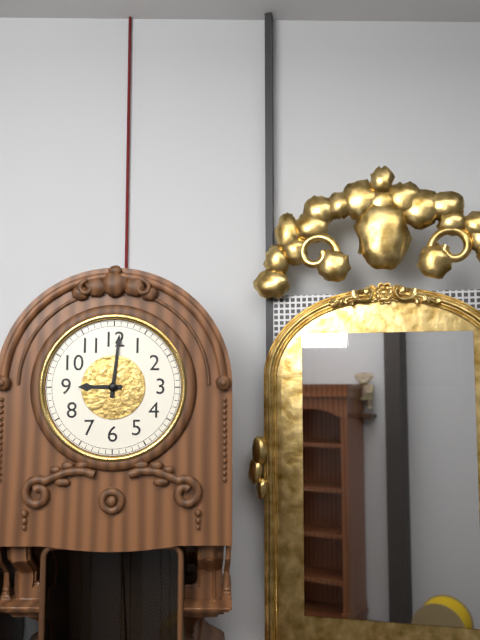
9:01
